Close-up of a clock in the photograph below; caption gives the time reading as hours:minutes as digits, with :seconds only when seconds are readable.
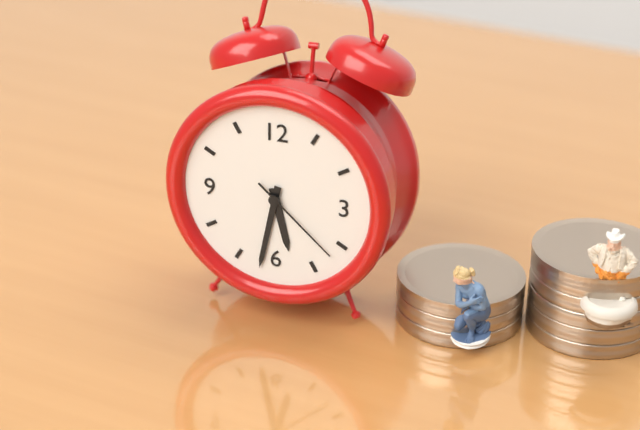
5:32:22
